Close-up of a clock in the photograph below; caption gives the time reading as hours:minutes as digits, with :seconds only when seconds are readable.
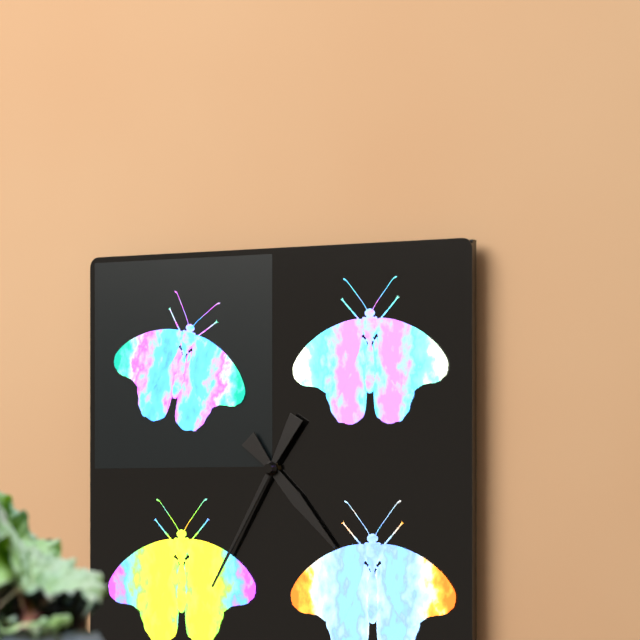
4:35
